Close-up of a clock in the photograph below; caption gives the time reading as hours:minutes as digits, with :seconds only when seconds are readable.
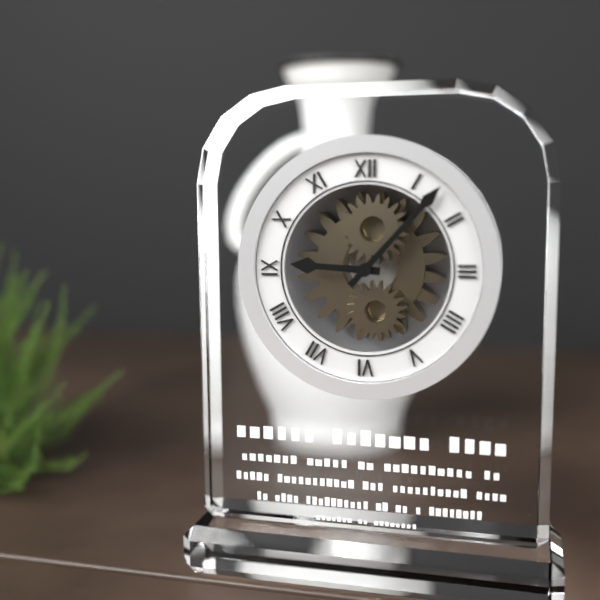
9:07
